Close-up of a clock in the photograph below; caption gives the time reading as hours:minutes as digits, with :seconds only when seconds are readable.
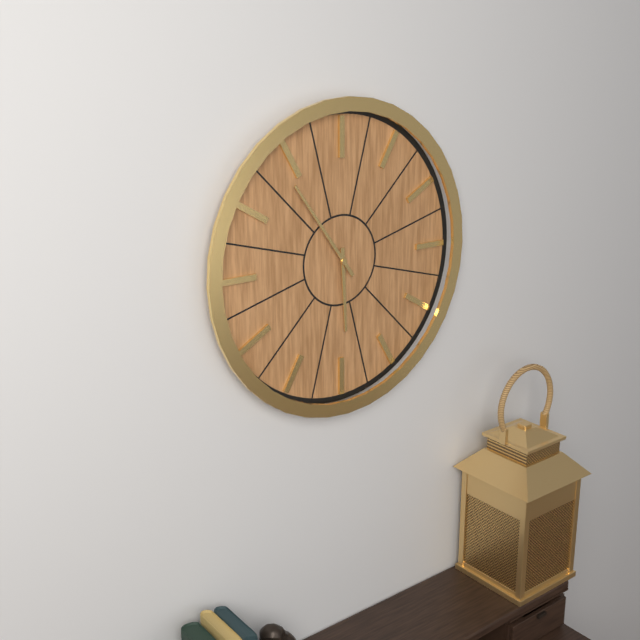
5:54
